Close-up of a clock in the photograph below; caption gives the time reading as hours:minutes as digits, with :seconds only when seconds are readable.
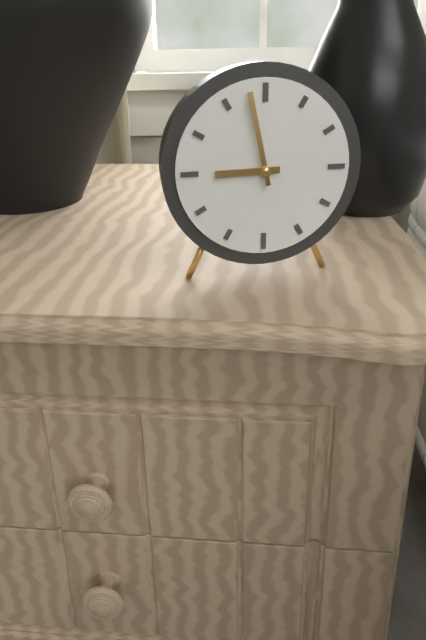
8:58
